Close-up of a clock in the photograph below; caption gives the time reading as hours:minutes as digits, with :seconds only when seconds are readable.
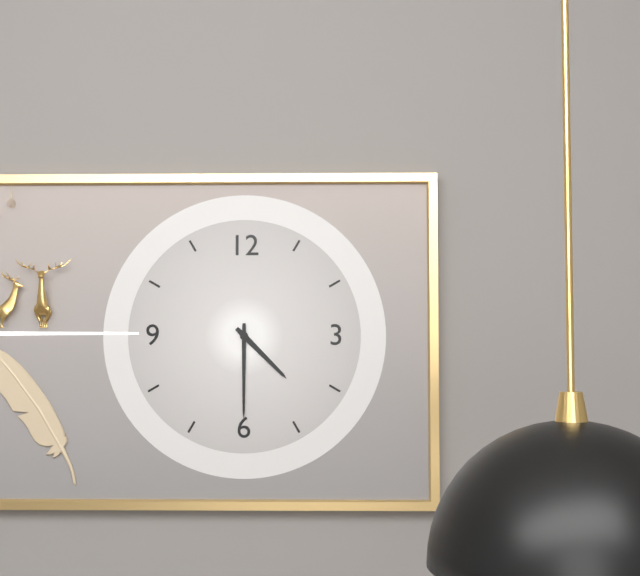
4:30
